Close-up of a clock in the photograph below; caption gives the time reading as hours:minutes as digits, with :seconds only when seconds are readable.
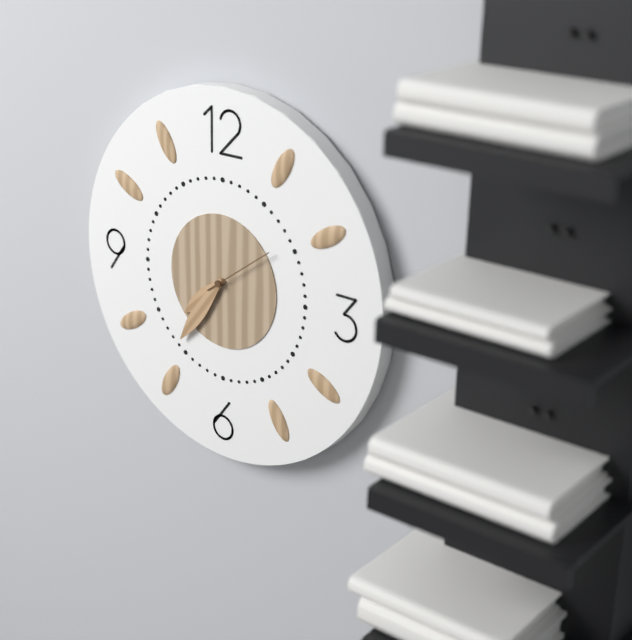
7:36:09
